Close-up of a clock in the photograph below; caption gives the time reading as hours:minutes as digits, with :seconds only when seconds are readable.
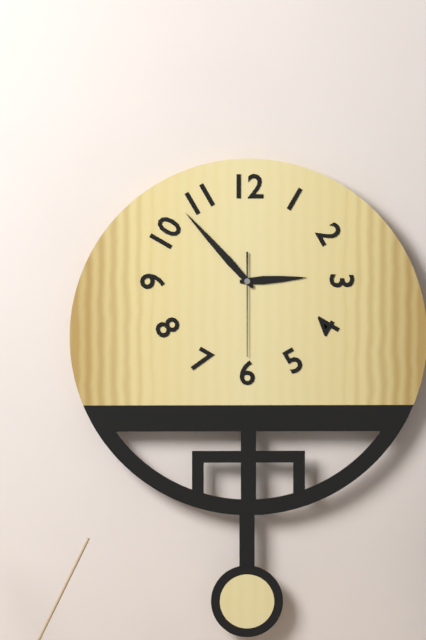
2:53:30
